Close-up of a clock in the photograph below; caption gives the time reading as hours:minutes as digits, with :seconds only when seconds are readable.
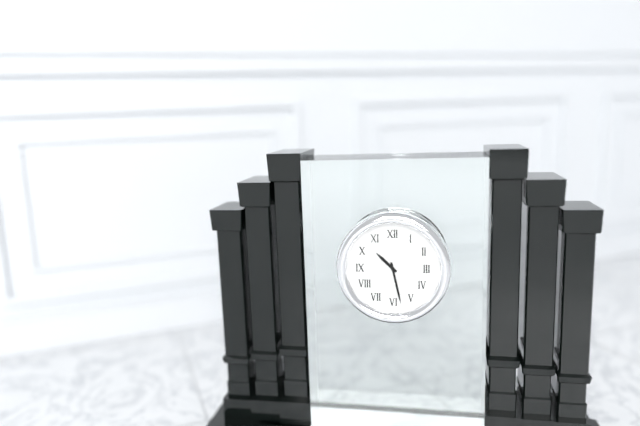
10:28
